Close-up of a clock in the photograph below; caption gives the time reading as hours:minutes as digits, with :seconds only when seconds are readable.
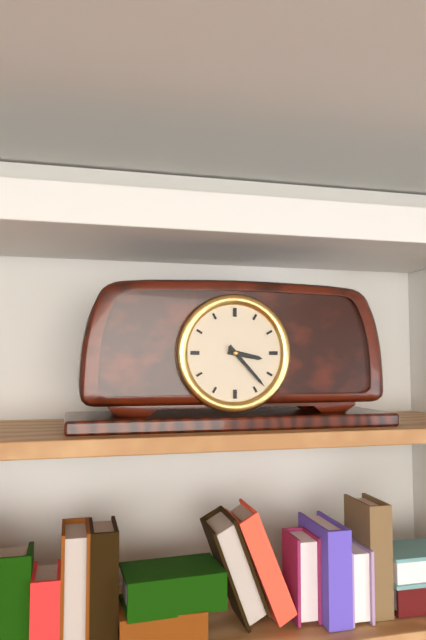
3:23
